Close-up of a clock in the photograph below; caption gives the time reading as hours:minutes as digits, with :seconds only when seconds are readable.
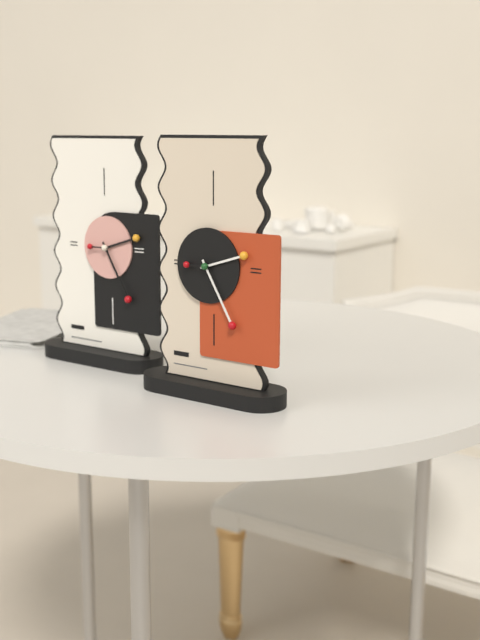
2:25
